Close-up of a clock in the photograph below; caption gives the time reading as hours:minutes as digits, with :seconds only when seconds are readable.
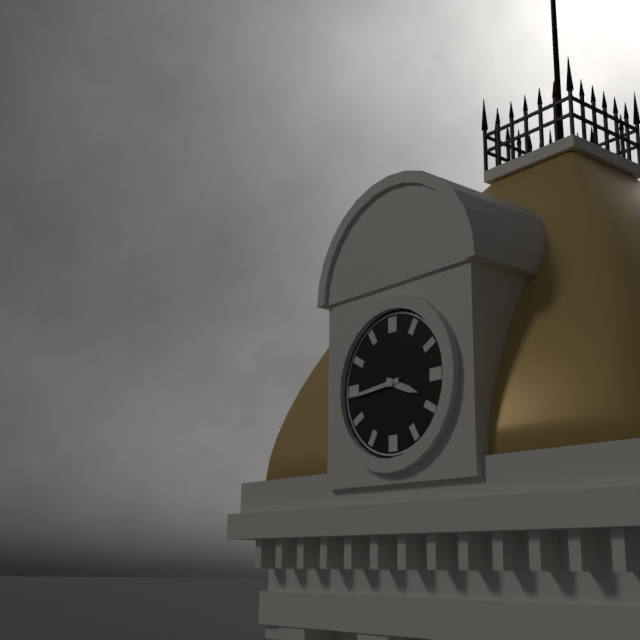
3:44
